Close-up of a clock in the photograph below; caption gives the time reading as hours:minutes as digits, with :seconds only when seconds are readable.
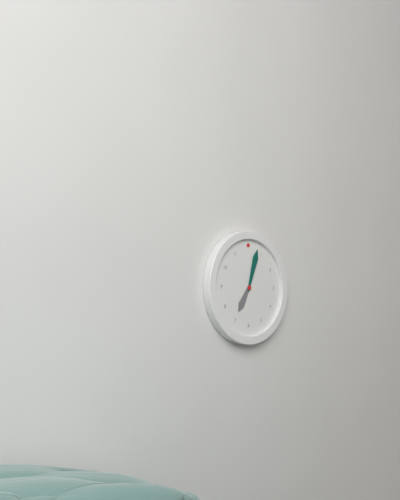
7:03
